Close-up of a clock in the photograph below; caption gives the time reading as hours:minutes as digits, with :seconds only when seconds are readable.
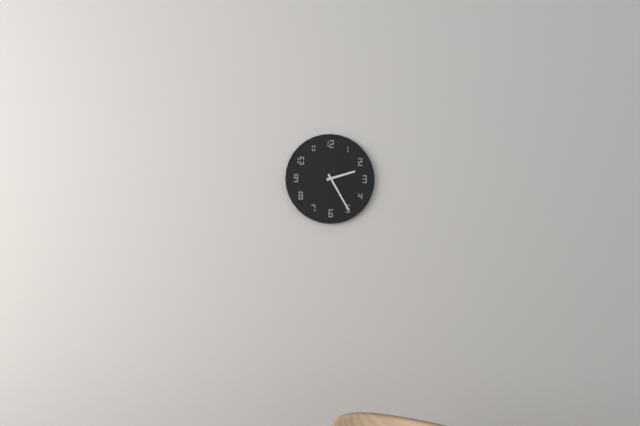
2:25
